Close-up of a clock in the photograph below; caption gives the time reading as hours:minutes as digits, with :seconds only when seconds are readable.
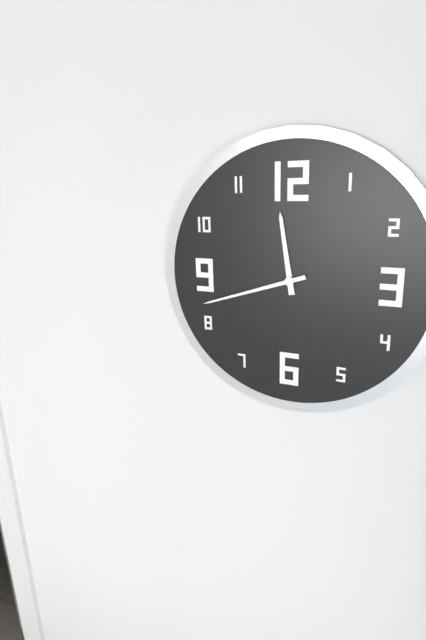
11:42
